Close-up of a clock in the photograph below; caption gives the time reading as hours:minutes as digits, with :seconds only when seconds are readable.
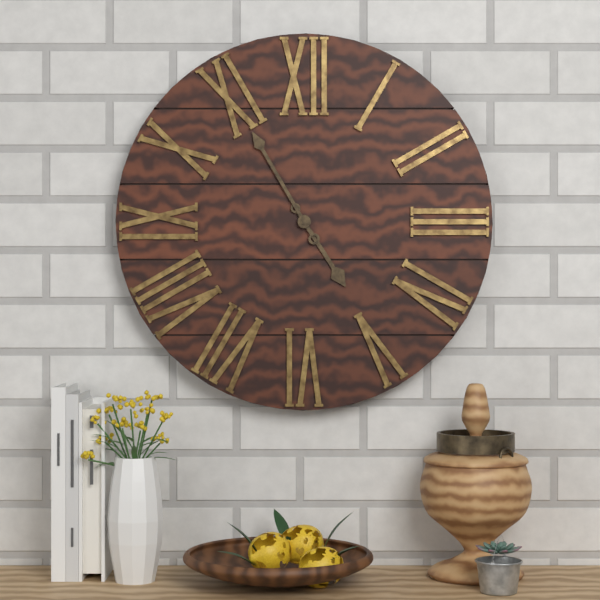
4:55
